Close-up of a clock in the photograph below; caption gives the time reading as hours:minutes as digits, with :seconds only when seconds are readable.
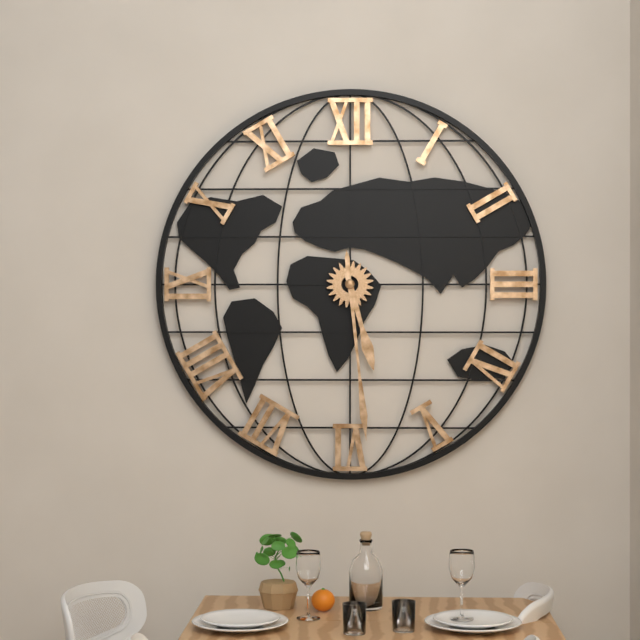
5:29
